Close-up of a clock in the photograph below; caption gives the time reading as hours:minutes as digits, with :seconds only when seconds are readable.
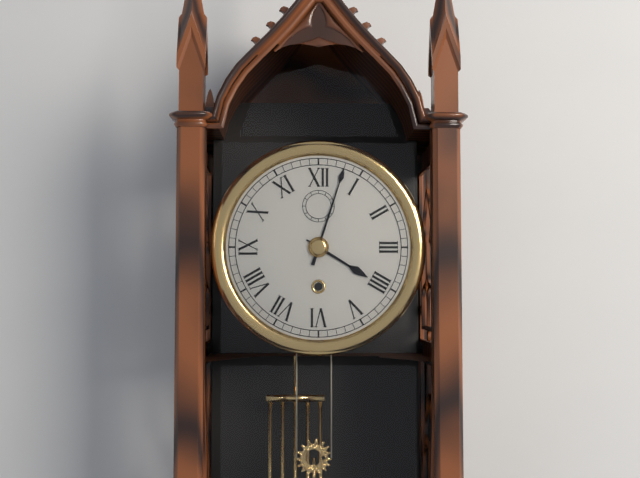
4:03
